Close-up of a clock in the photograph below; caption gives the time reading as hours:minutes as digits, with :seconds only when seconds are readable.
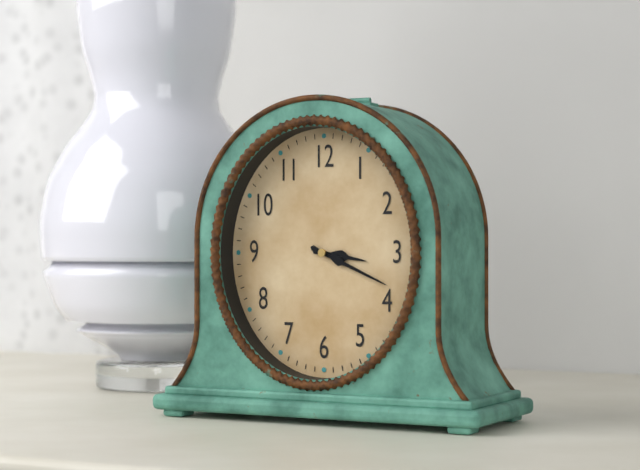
3:19
